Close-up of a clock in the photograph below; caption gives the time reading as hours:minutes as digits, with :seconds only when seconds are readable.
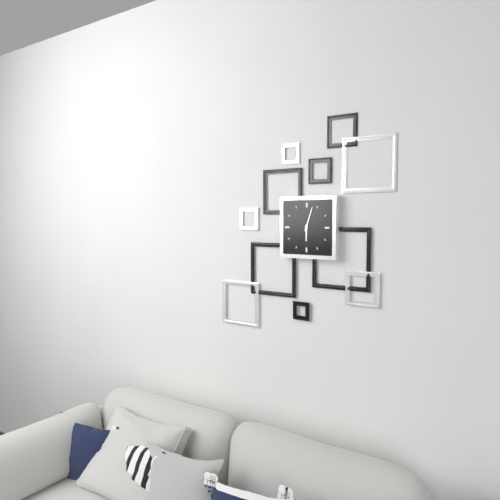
6:03
